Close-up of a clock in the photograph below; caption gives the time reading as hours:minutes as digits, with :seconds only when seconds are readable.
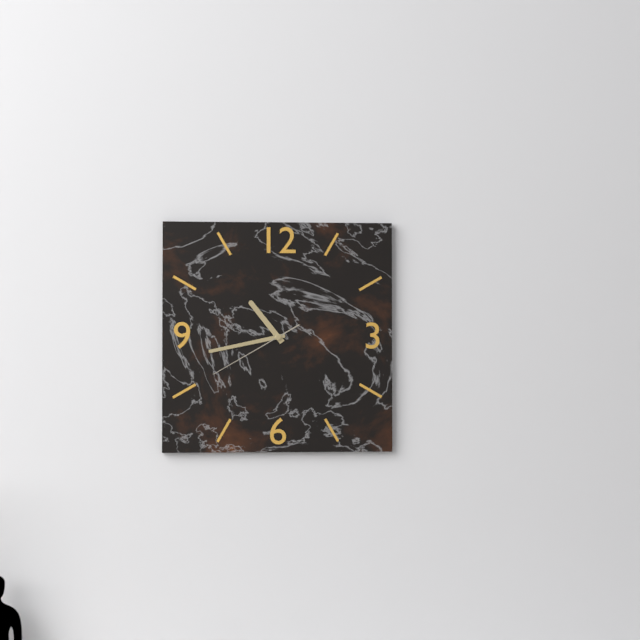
10:43:40
